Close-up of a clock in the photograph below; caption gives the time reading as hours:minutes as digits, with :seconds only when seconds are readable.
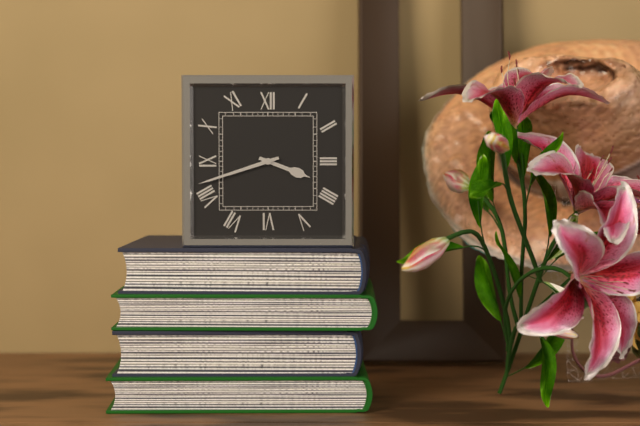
3:42
